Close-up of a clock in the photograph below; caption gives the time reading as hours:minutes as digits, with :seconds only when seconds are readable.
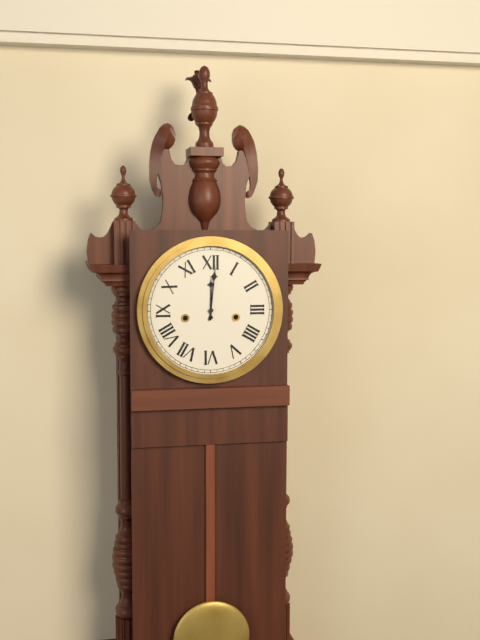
12:01
